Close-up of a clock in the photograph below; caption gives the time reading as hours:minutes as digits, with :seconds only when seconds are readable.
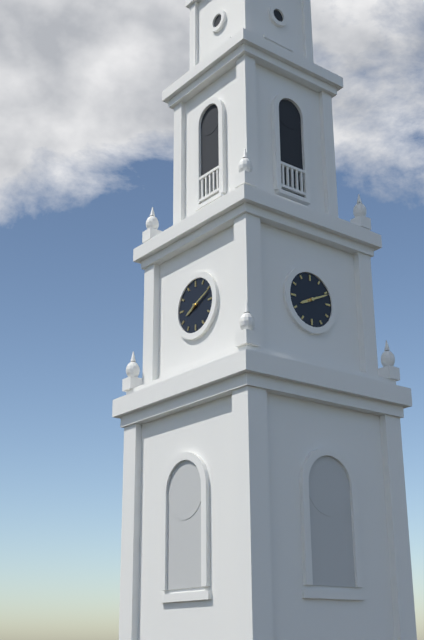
8:11
